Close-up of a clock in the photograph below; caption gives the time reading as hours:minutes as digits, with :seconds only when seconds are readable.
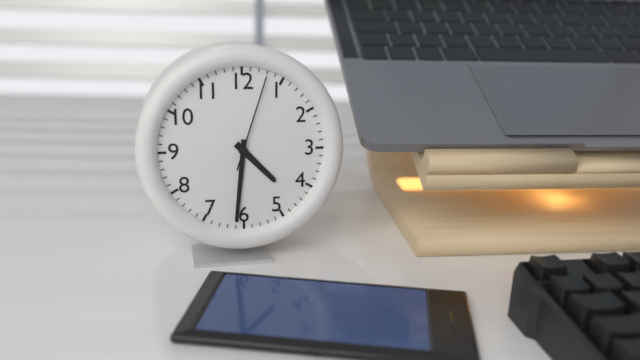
4:31:03
